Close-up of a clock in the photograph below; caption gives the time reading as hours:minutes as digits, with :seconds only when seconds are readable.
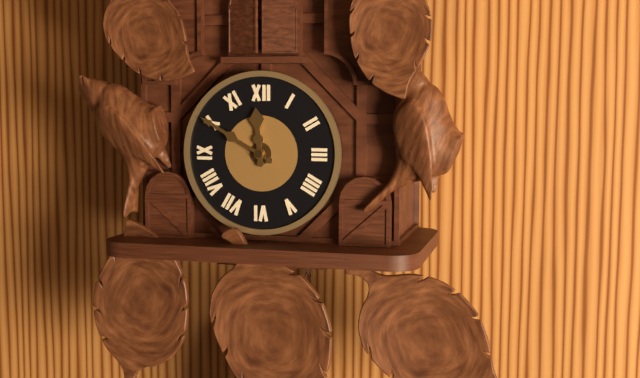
11:50
